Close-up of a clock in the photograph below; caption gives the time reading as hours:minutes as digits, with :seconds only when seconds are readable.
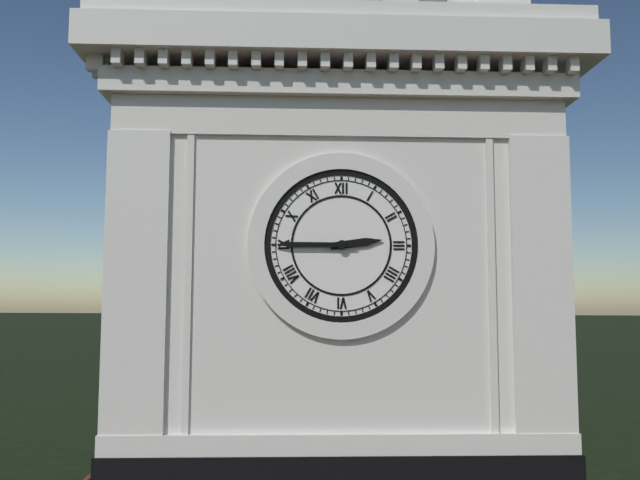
2:45
